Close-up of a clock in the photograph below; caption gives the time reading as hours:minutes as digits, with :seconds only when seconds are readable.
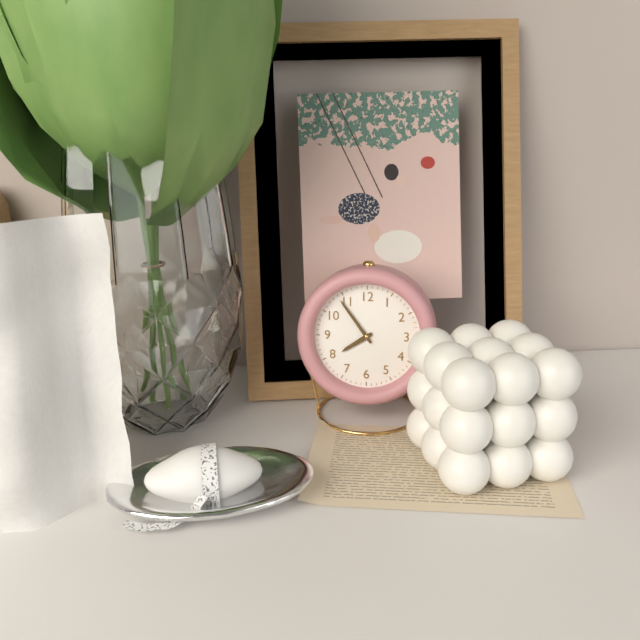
7:54
